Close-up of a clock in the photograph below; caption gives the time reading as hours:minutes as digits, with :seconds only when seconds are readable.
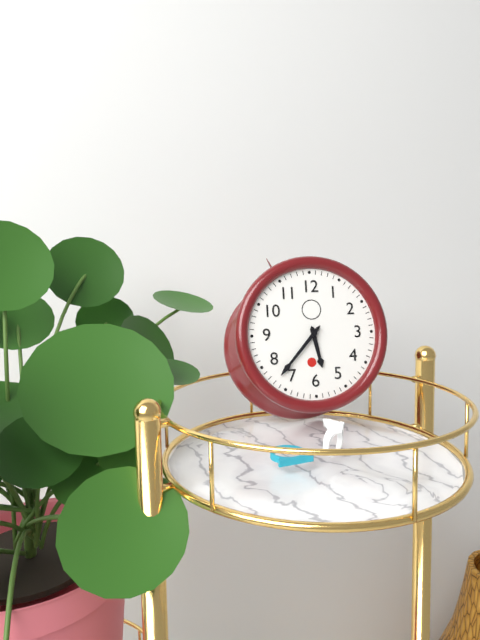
5:37
